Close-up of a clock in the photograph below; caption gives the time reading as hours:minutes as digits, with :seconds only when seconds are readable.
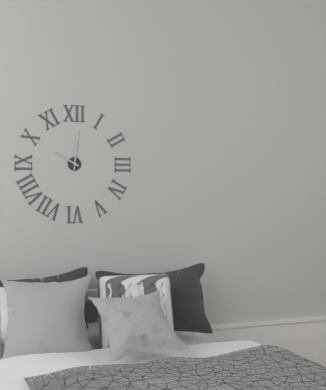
10:01
